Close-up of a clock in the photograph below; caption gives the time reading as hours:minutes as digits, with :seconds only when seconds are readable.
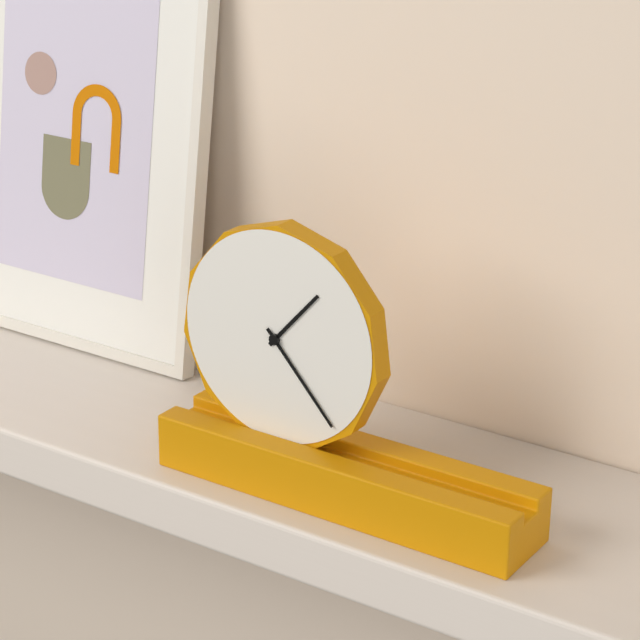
1:23
